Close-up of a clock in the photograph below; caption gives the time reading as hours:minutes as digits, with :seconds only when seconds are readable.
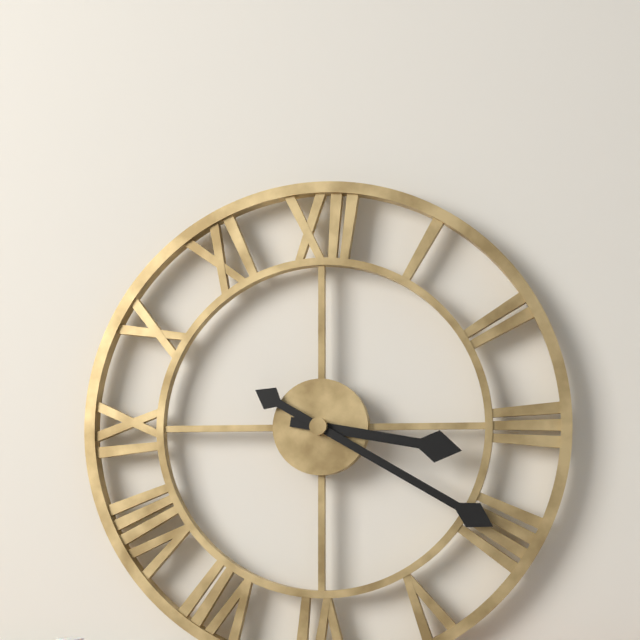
3:20
